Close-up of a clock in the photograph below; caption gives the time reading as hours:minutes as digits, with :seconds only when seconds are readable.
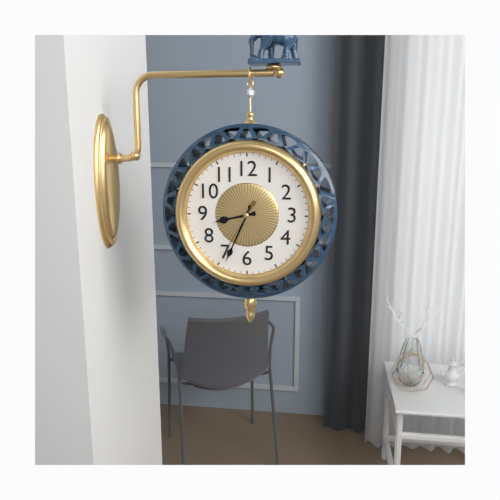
8:34:35
